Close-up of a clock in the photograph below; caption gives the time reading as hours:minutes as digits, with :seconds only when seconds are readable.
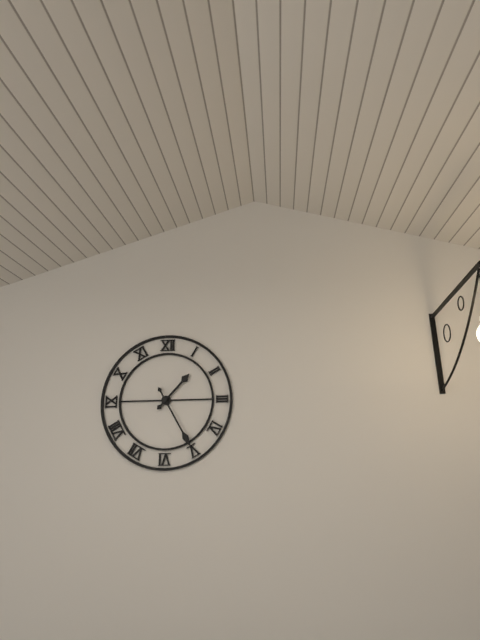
1:25
